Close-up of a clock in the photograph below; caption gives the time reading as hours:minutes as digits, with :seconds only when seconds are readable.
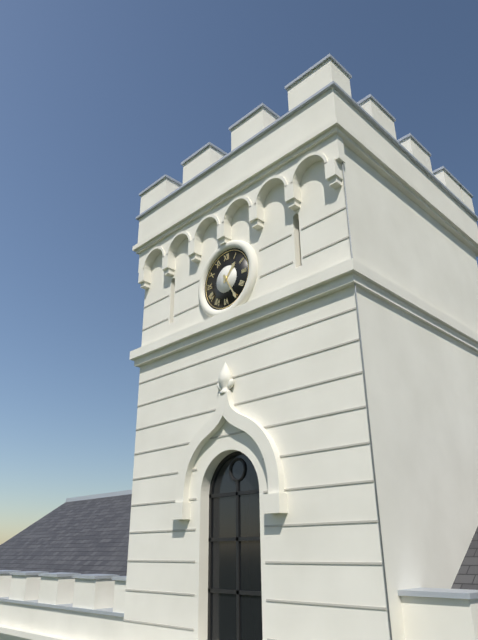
1:25
